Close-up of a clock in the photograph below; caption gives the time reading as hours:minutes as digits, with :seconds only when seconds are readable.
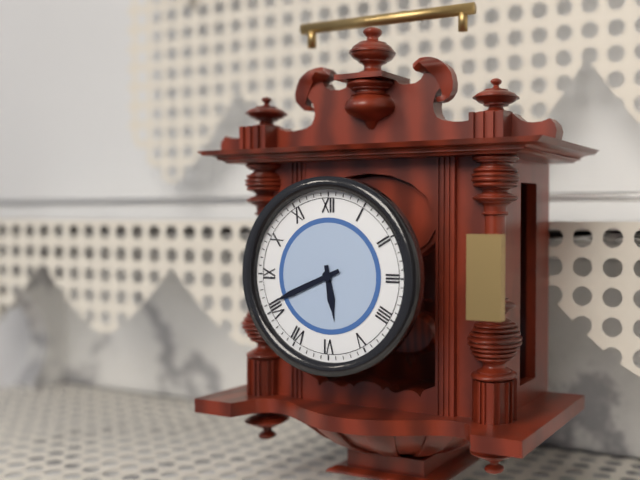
5:41
